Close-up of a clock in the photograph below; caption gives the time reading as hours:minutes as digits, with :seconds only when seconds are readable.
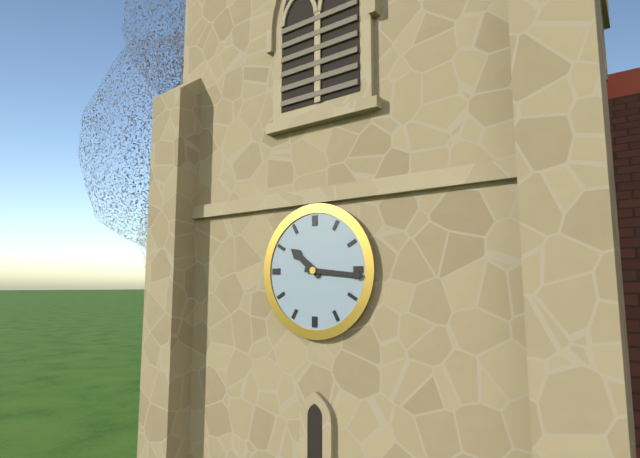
10:16
